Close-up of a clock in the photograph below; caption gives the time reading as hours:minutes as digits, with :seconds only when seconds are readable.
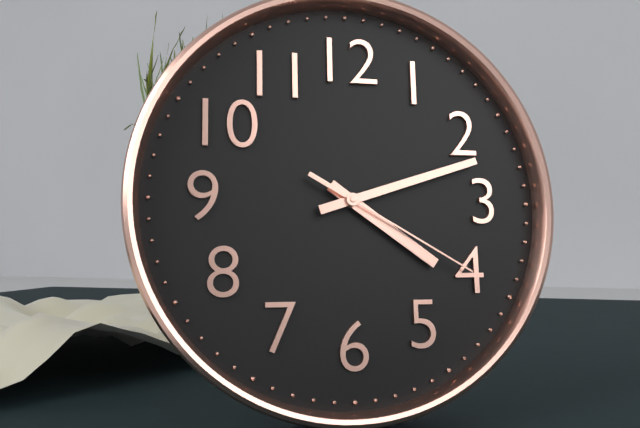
4:12:20
